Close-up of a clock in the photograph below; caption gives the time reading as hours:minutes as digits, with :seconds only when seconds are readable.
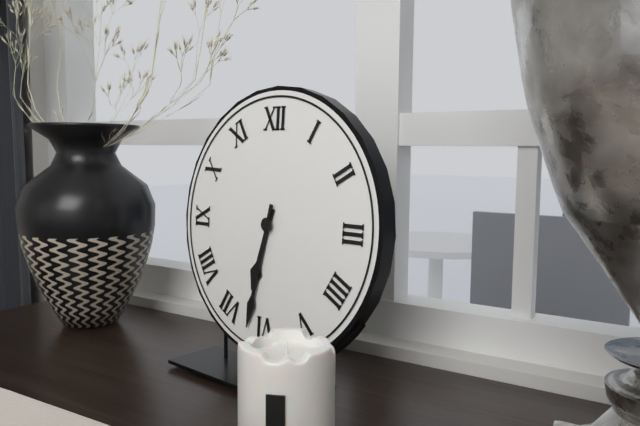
6:32
